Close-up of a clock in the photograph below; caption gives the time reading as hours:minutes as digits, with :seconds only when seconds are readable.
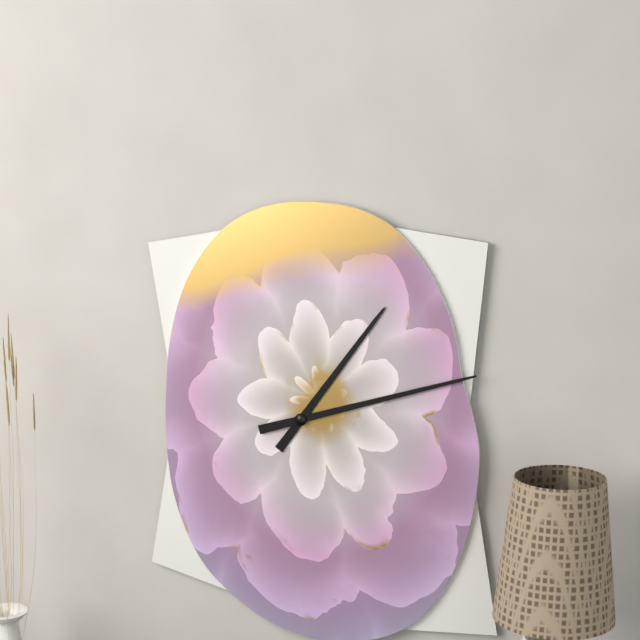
1:12
